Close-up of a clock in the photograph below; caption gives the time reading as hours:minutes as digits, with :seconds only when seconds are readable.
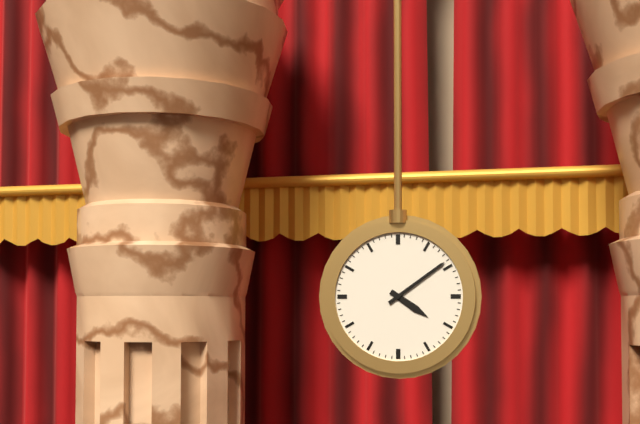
4:09
